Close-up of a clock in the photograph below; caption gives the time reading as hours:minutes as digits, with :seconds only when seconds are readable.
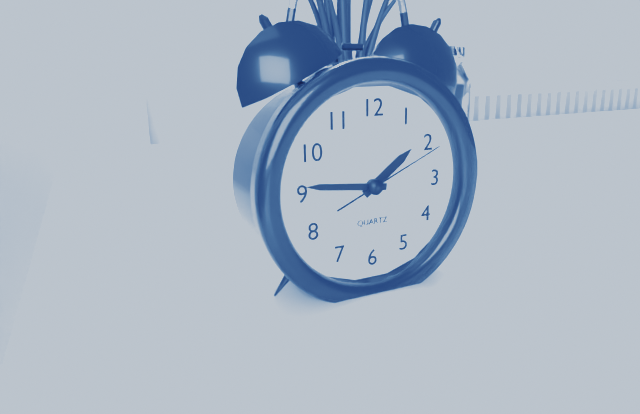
1:46:11
